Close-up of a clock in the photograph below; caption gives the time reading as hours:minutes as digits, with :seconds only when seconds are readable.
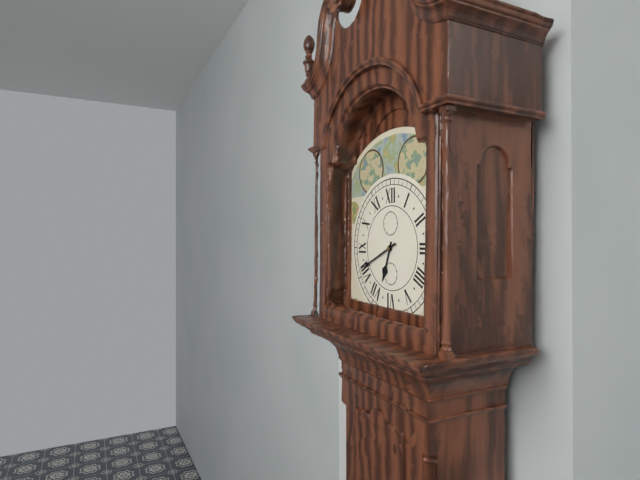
6:41
